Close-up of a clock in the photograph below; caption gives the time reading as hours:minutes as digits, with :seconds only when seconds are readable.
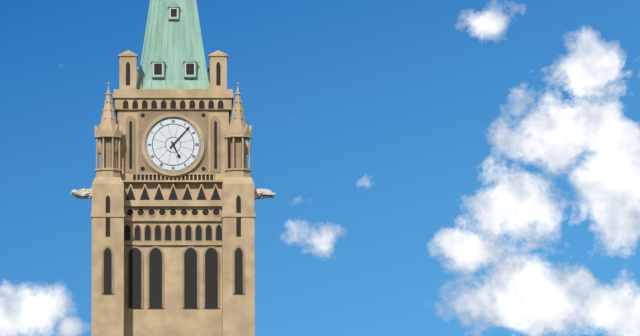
5:07
